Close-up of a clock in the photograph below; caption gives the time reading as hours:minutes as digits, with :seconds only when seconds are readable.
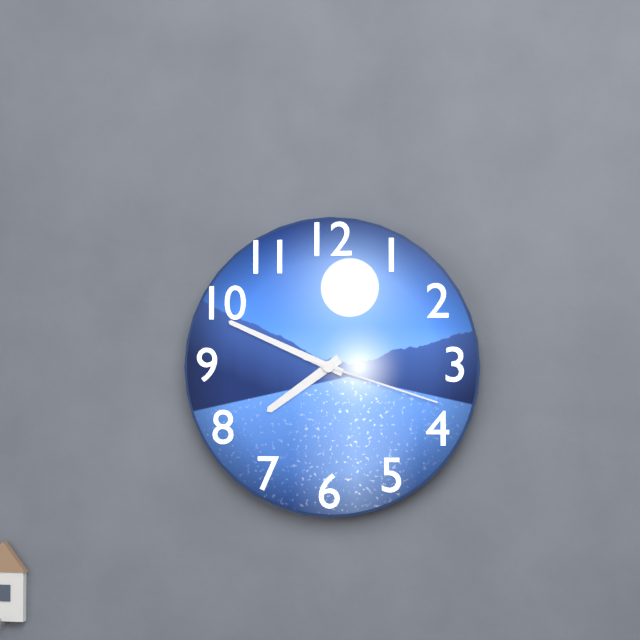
7:49:18
